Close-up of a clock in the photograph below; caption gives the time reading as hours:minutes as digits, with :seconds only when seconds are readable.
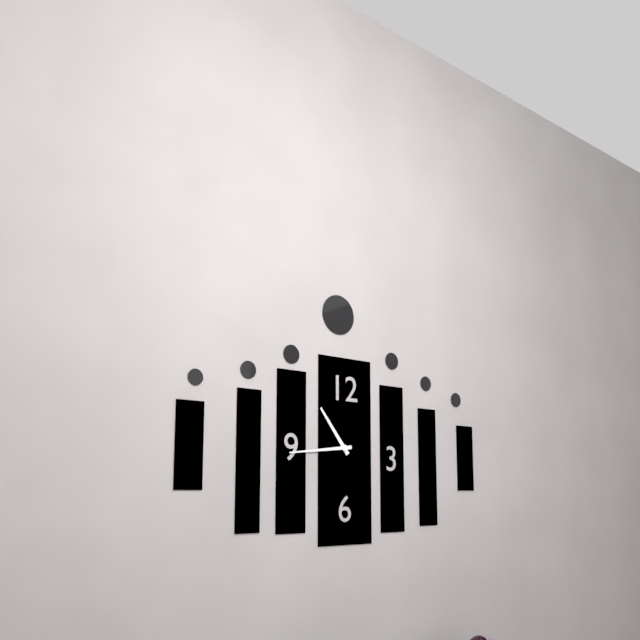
10:44
